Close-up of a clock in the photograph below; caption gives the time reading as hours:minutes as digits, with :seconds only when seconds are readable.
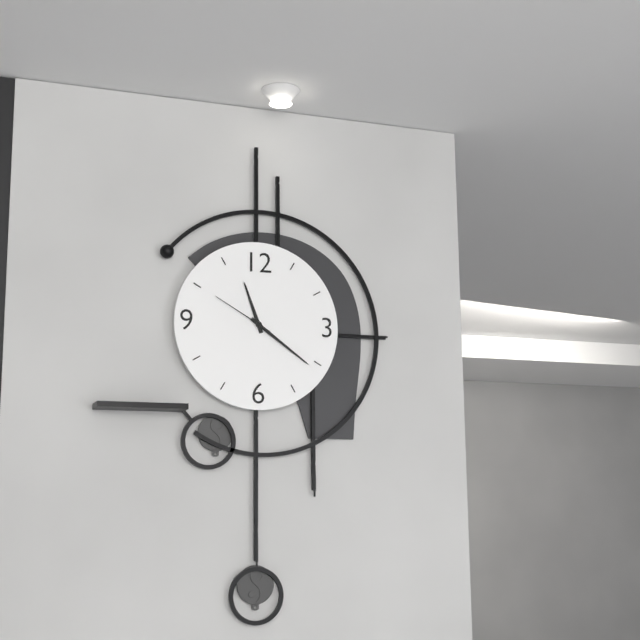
11:21:50
